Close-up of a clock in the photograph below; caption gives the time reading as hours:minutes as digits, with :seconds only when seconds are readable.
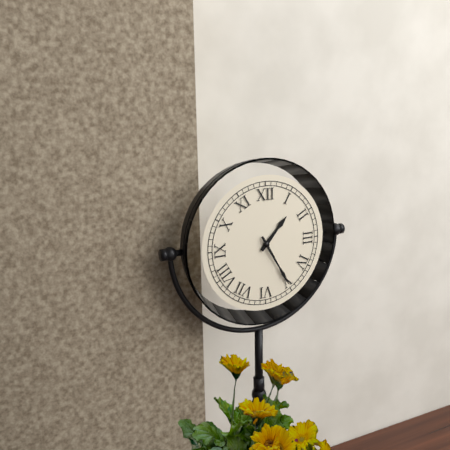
1:25
